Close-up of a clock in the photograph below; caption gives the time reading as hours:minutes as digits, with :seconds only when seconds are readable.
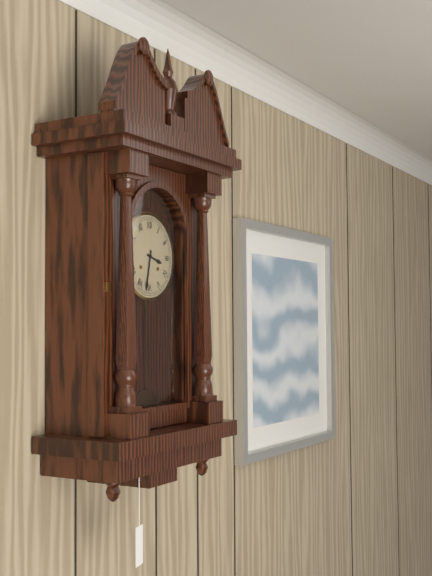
3:32
